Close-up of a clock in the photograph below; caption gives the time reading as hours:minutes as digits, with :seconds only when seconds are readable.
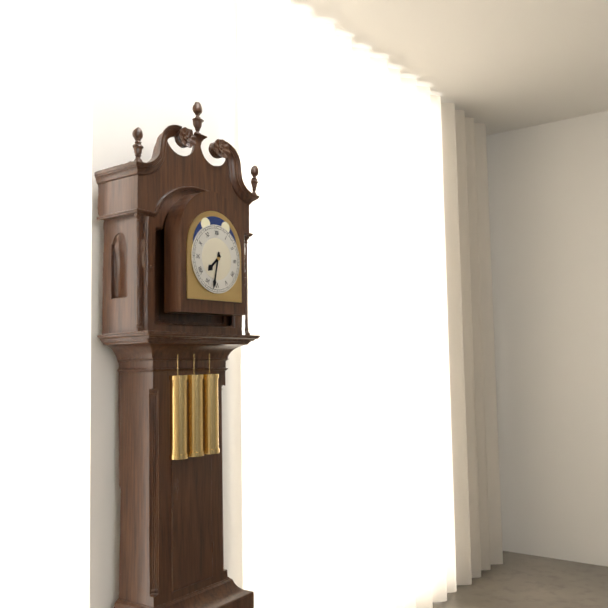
7:32
